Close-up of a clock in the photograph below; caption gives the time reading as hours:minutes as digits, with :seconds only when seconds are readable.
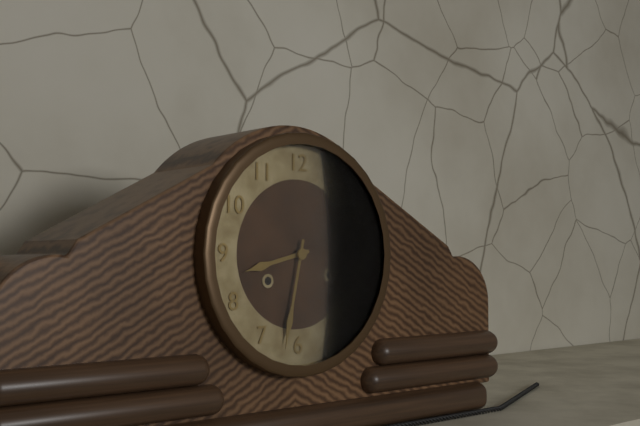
8:32
